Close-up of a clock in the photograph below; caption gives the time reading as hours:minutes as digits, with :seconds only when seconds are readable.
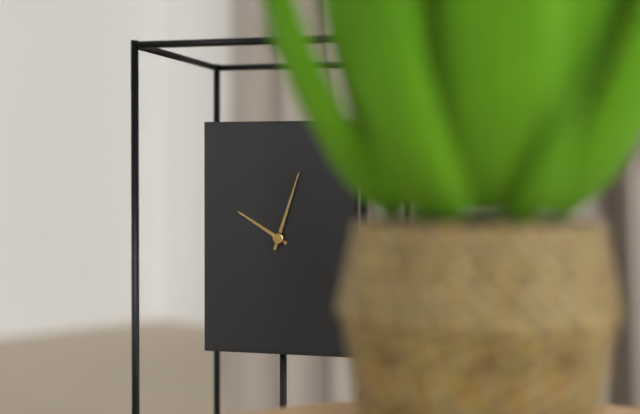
10:03
